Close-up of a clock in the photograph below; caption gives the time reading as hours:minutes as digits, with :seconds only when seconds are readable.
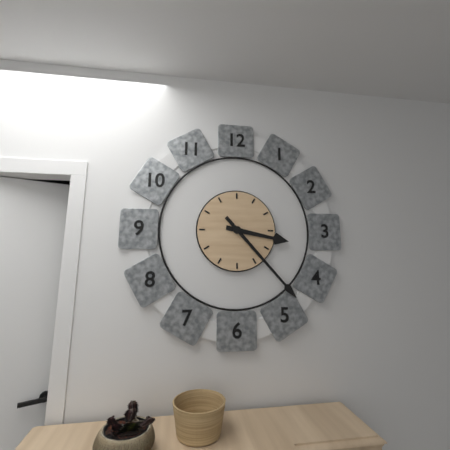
3:23
